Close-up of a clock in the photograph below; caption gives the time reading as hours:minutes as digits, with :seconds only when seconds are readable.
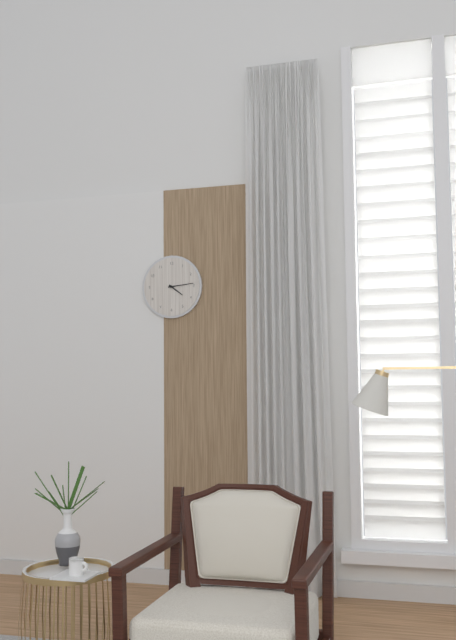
4:14
